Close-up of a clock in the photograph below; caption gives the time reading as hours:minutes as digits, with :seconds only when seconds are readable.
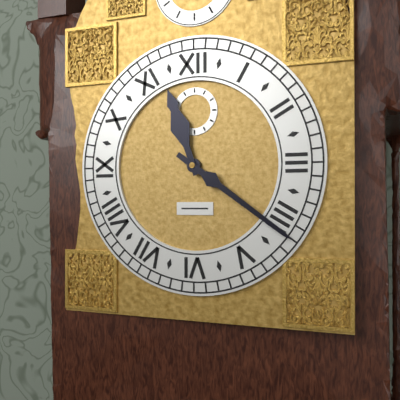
11:21
